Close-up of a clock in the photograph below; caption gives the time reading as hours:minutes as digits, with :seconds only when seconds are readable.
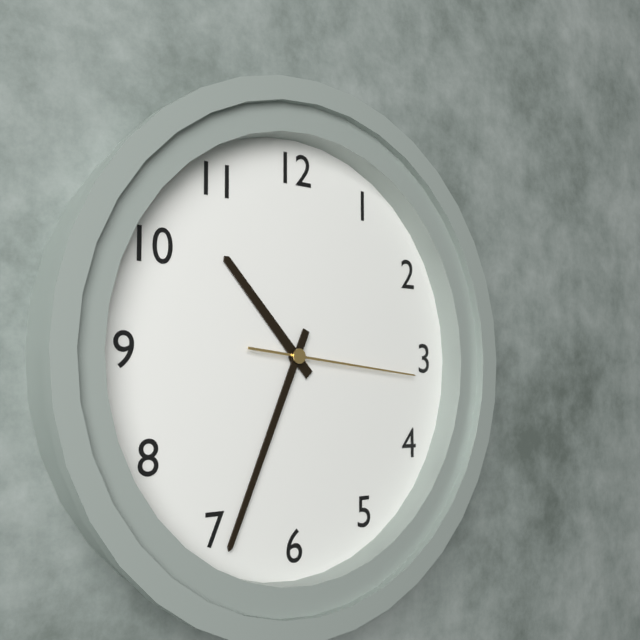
10:34:16
